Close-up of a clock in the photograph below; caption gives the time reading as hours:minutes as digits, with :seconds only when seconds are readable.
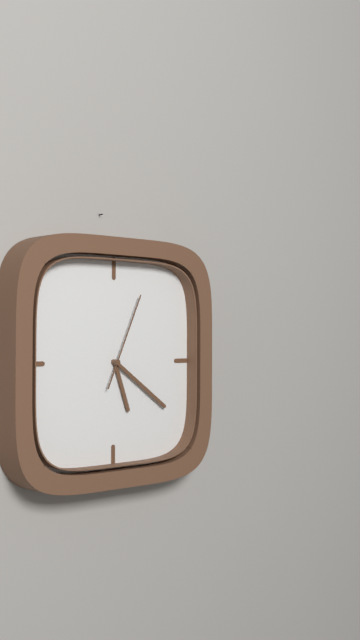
5:21:04
